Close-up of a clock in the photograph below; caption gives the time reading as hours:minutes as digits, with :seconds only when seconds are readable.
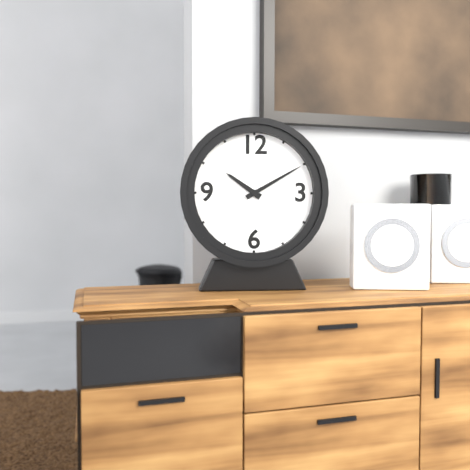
10:10
